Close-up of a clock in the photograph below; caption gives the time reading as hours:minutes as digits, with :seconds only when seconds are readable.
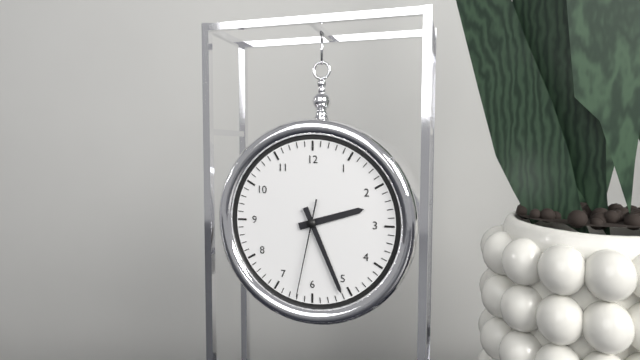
2:26:32
